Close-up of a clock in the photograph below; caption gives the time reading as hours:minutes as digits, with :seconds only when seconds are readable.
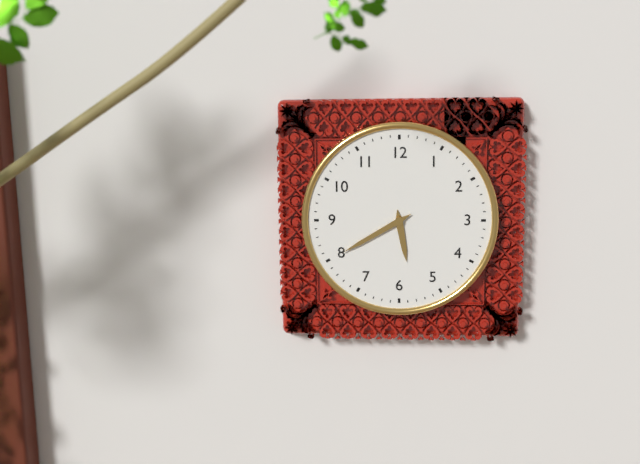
5:40
